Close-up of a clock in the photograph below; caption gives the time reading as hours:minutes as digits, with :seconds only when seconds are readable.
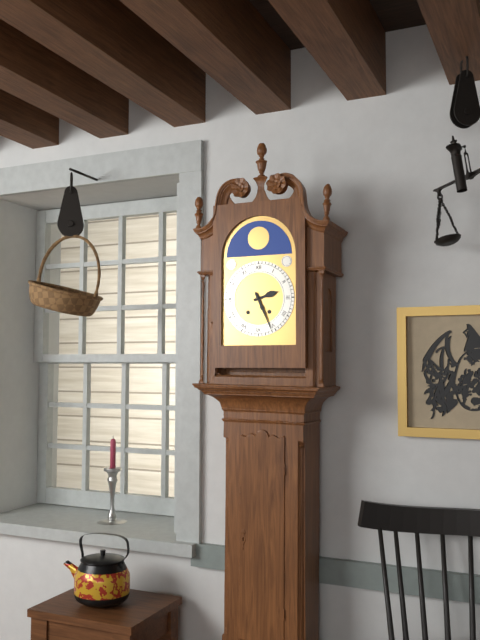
2:26
